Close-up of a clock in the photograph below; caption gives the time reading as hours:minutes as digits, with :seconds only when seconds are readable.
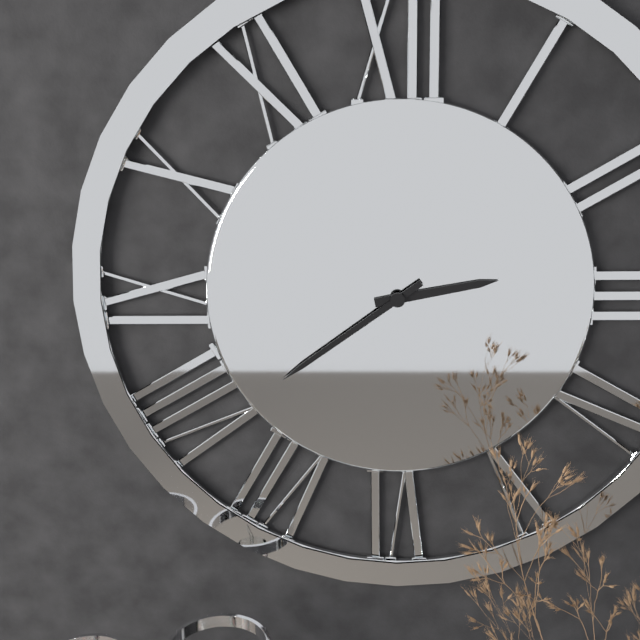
2:39
